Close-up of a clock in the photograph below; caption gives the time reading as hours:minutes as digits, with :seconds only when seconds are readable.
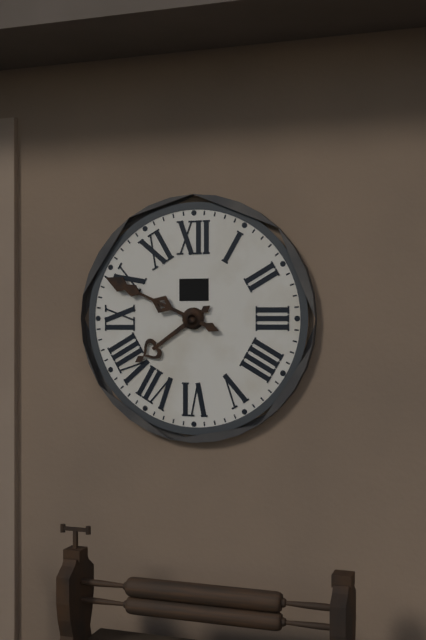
7:49
